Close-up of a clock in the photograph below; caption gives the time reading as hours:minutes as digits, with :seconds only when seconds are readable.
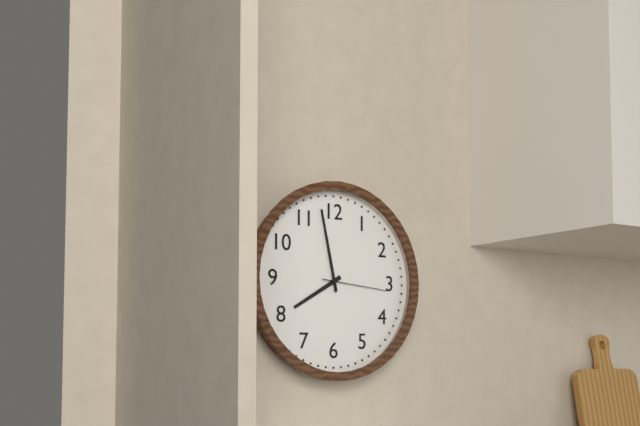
7:58:16
